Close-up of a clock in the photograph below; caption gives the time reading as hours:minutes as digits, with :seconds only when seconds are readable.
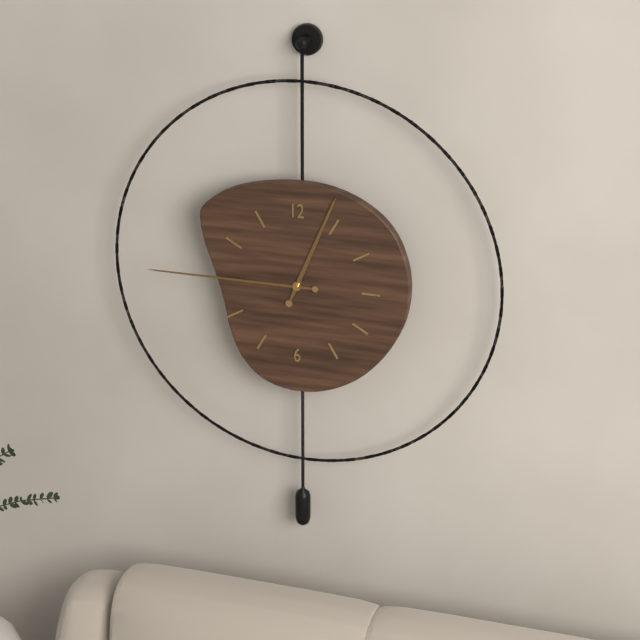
12:45
